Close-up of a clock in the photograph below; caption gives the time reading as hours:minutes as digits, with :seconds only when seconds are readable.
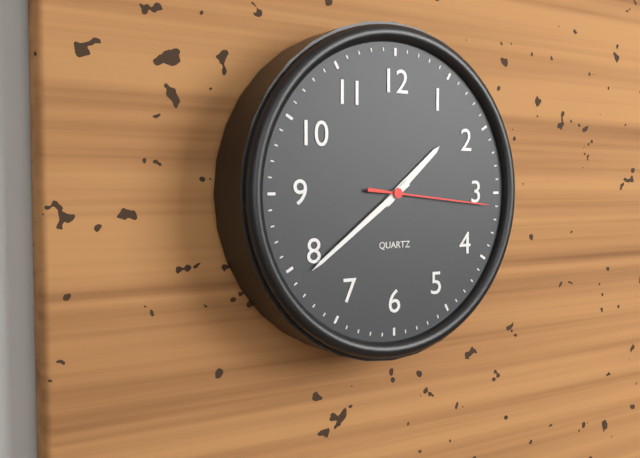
1:39:16
